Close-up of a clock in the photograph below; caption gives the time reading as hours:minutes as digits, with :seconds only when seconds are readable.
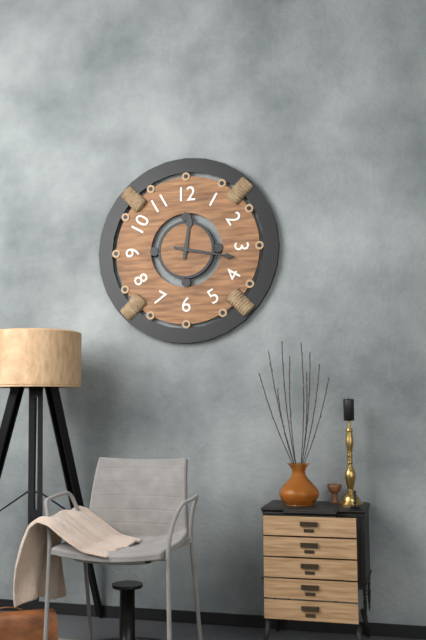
12:17
